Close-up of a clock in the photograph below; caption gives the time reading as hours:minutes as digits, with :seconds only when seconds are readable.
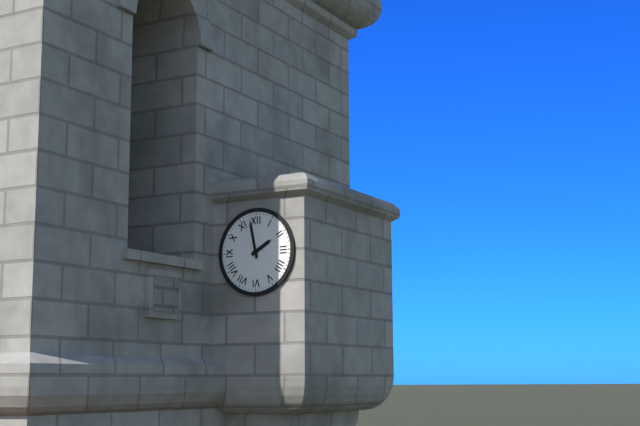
1:58
